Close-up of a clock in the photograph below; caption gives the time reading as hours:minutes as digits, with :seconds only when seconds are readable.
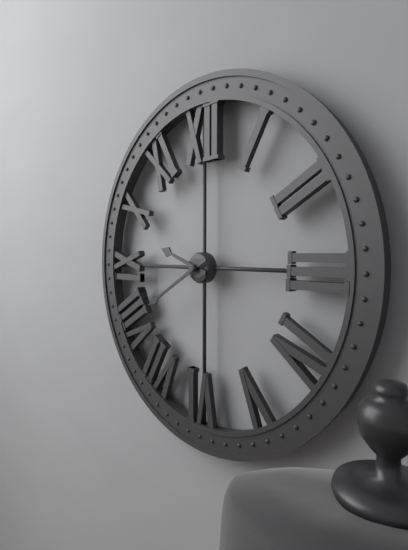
9:40
